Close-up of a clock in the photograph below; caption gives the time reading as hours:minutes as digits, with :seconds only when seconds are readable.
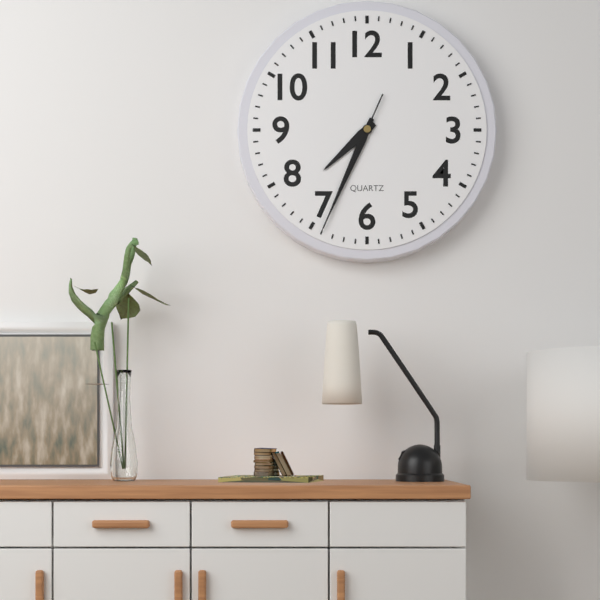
7:34:34
